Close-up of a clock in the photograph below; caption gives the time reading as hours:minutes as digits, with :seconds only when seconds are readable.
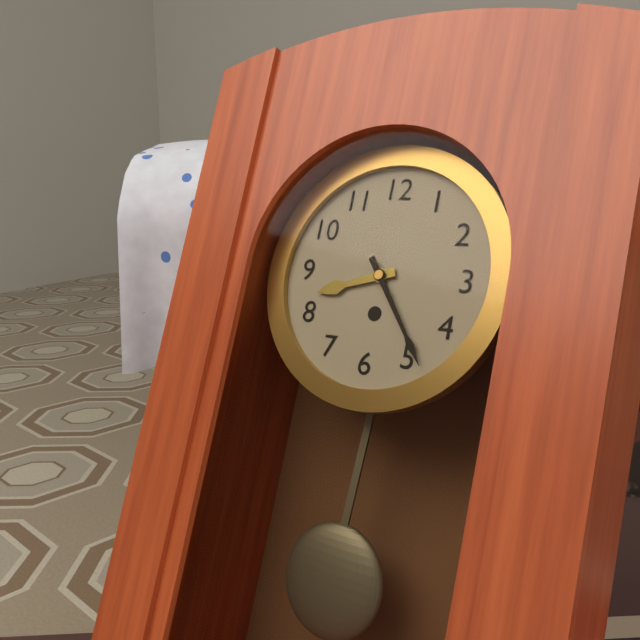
8:24
